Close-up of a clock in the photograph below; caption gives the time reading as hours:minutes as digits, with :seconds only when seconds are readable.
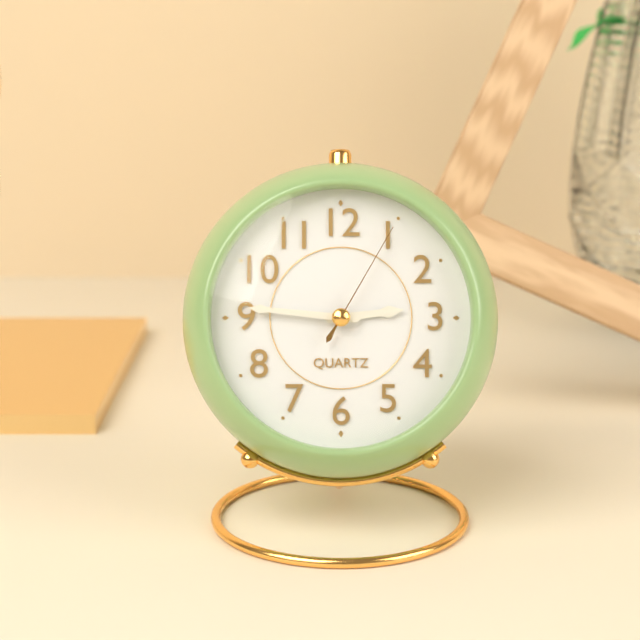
2:46:05
